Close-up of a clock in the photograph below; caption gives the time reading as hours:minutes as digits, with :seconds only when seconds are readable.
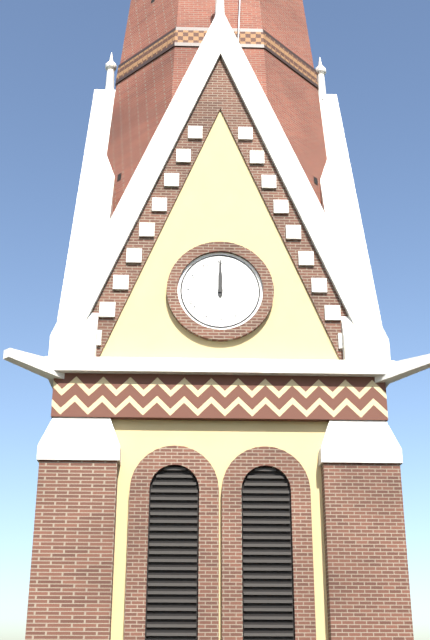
12:00
